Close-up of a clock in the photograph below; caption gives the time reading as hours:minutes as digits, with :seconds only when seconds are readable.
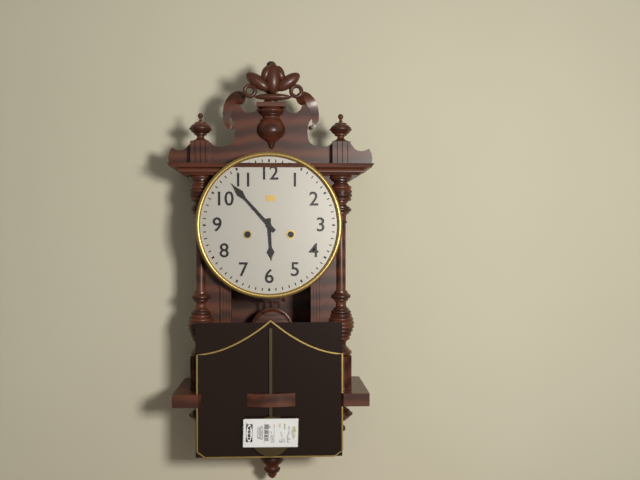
5:53
